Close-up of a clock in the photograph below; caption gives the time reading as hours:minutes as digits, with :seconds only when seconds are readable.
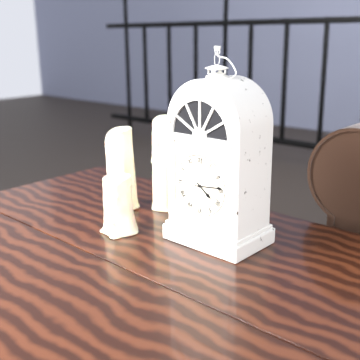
4:14
